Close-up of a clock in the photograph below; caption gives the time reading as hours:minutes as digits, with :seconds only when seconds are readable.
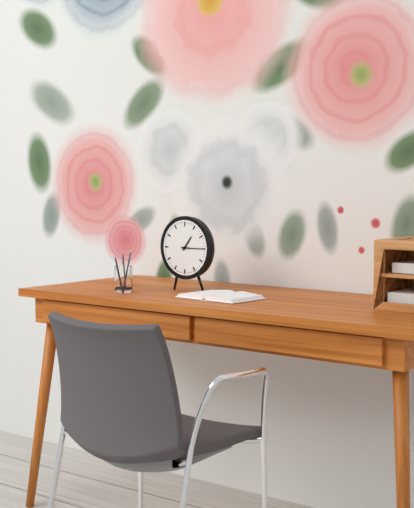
1:15
